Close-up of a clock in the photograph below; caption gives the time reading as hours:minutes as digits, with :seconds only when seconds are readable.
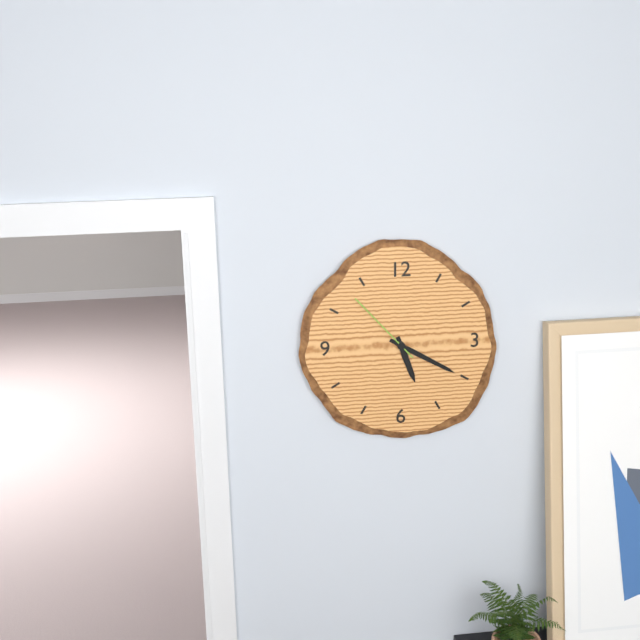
5:20:53
